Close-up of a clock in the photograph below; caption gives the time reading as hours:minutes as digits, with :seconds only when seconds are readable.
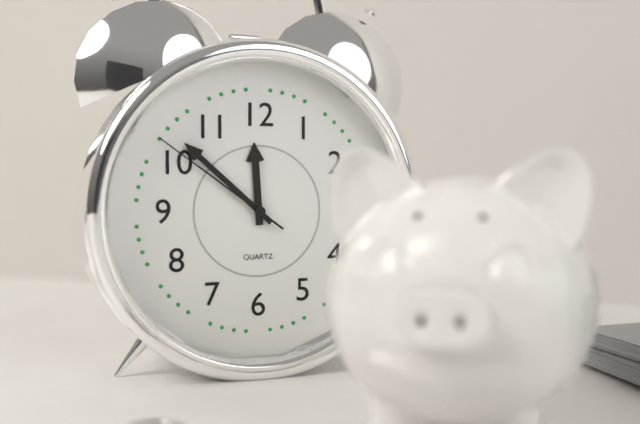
11:52:51
